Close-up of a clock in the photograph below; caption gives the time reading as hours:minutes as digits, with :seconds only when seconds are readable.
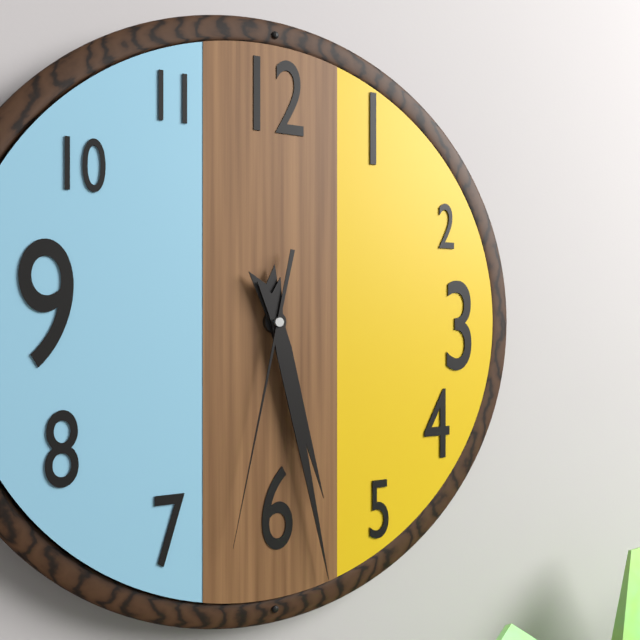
5:28:32
